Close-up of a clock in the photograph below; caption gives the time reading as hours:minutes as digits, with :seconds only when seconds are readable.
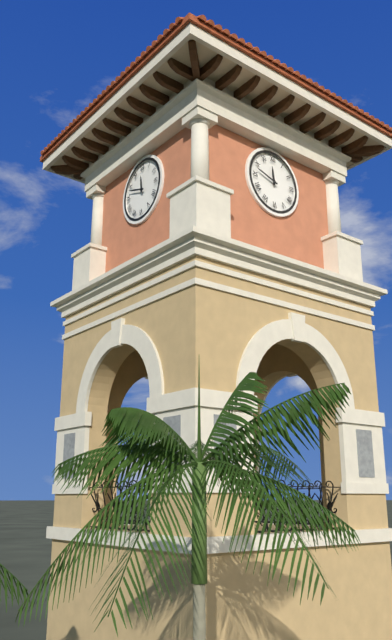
11:48
